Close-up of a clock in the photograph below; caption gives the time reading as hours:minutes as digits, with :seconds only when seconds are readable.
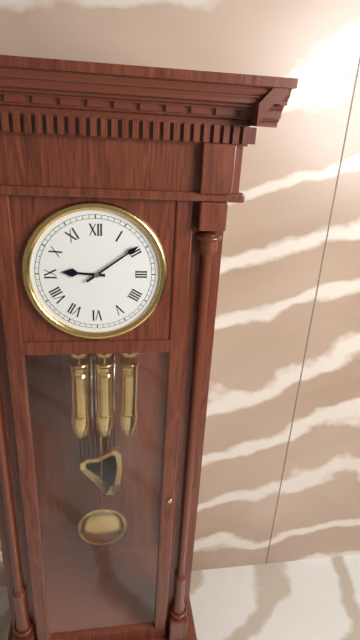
9:09
